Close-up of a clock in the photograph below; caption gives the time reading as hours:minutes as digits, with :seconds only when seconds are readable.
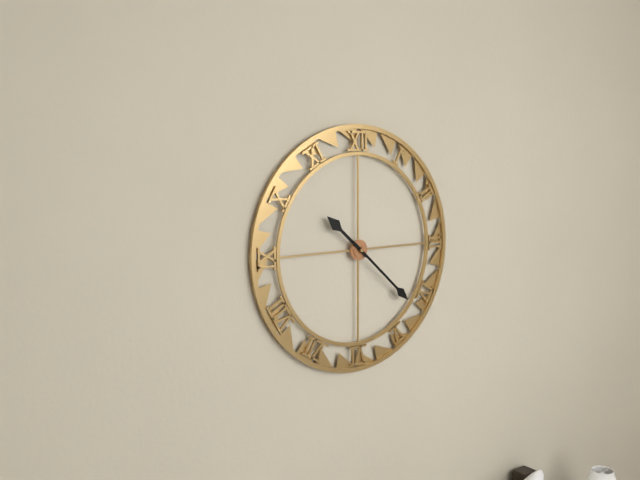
10:22
